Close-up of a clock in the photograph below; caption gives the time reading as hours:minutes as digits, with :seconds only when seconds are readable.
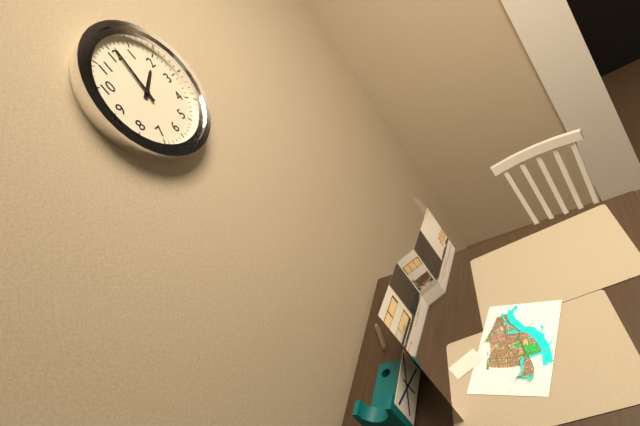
2:01
